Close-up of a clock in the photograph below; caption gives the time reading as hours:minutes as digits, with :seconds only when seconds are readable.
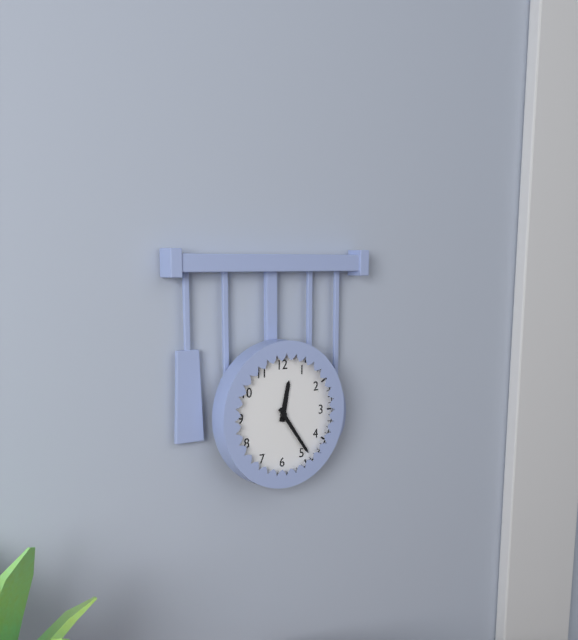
12:24
